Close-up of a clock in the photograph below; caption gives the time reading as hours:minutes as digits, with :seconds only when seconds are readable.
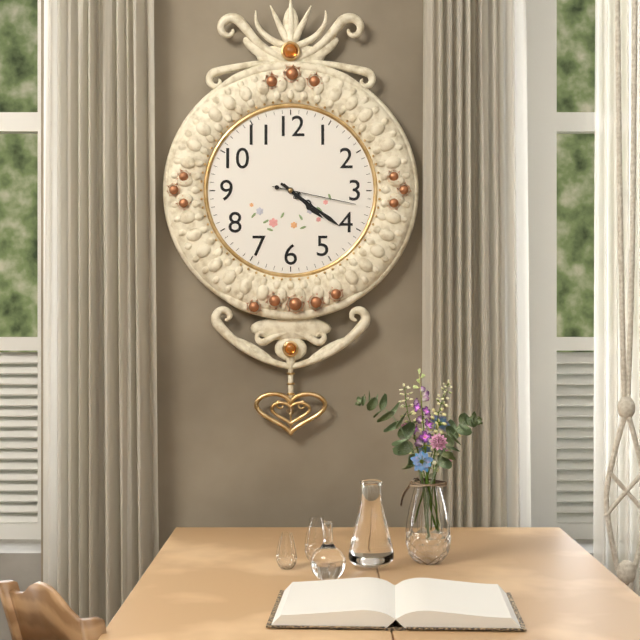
4:21:17
